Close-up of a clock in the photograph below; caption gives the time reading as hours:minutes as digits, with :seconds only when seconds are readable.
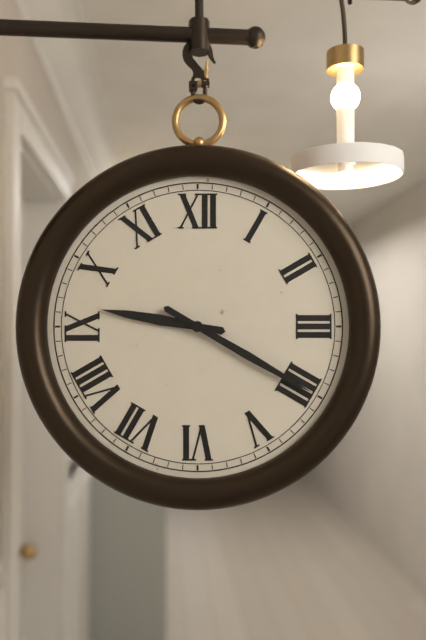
9:20
